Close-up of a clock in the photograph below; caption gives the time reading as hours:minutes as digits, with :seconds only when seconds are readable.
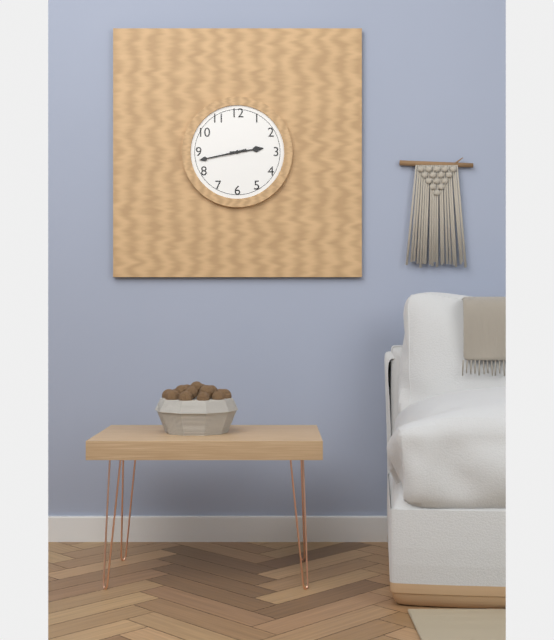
2:43
